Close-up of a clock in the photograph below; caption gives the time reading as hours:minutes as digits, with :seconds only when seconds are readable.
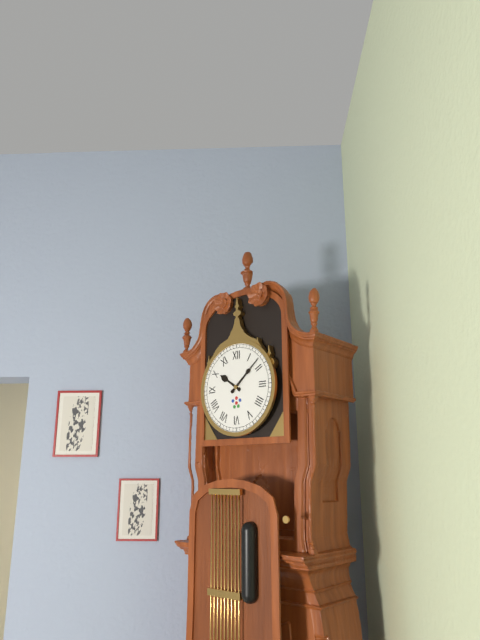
10:08
